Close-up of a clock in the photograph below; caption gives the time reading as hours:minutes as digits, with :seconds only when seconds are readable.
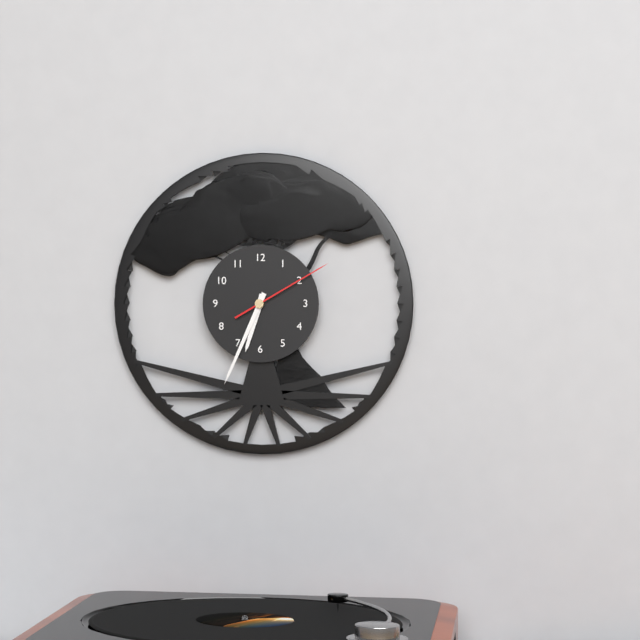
6:34:10
